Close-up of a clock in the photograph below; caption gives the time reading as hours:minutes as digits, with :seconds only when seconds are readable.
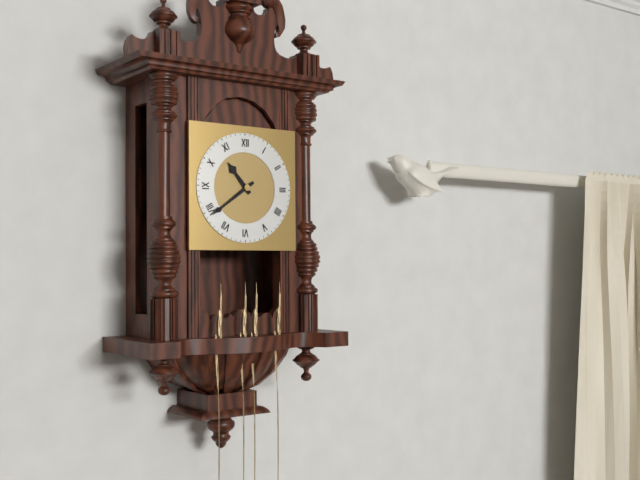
10:39
